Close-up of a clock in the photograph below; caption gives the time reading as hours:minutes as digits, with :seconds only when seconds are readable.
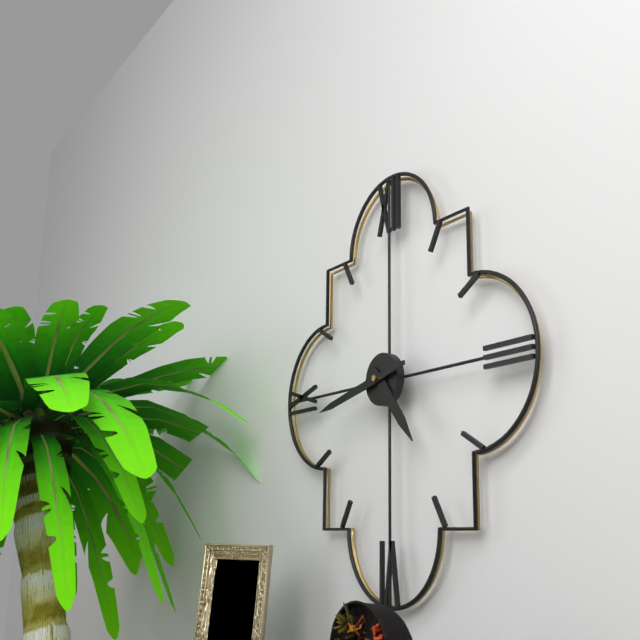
4:43
